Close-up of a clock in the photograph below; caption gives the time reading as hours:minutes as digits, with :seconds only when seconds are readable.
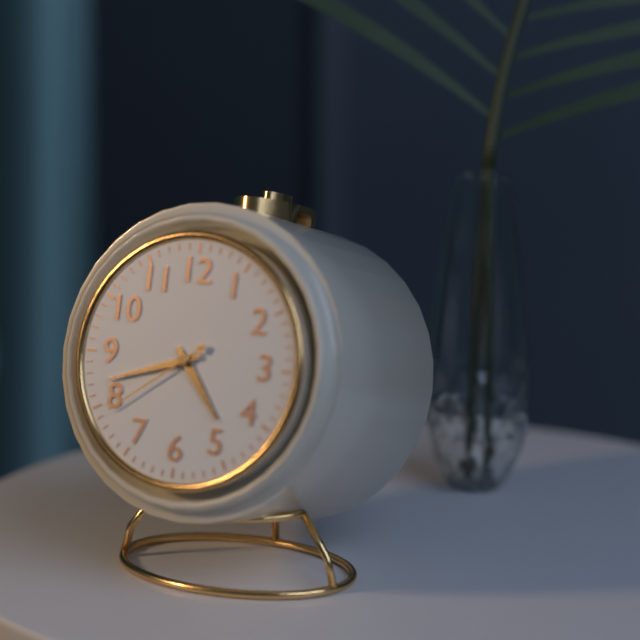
4:42:39
